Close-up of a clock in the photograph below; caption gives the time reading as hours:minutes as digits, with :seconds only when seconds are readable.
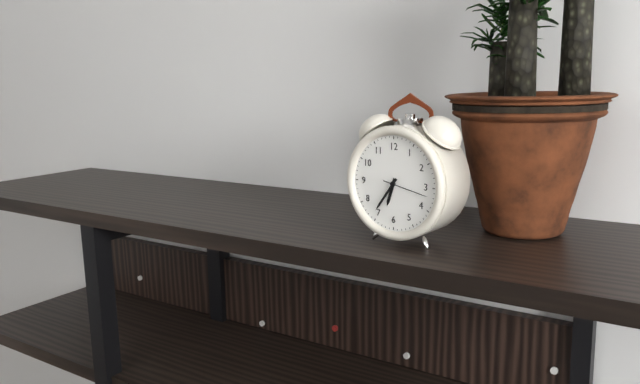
6:36
